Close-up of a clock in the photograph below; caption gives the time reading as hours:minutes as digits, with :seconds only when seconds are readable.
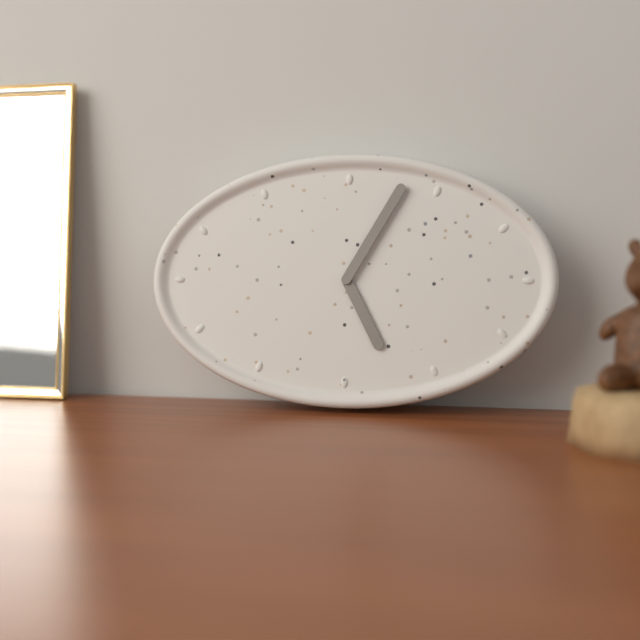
5:05
